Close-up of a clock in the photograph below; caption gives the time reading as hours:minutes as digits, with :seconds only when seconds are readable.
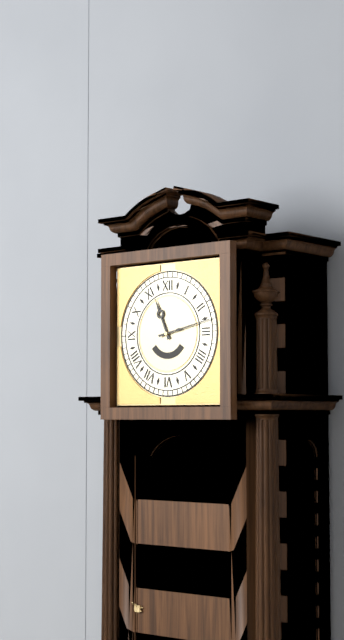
11:13
